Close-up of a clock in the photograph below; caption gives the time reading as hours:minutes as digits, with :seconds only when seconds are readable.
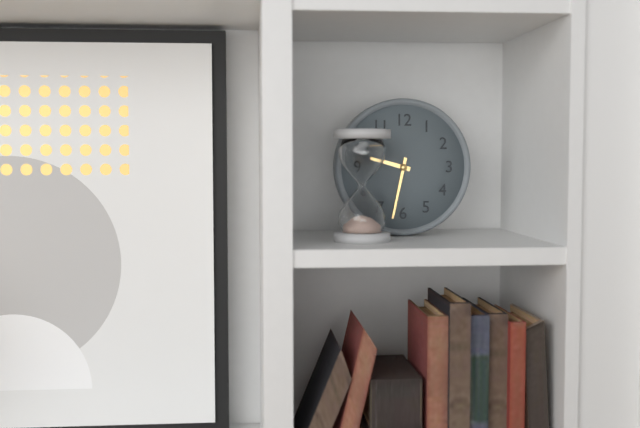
9:32
